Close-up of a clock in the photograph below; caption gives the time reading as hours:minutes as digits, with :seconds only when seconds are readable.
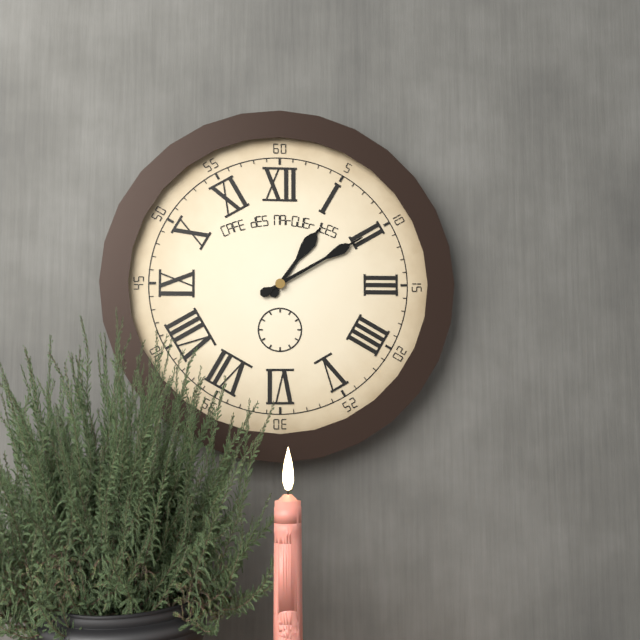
1:10
